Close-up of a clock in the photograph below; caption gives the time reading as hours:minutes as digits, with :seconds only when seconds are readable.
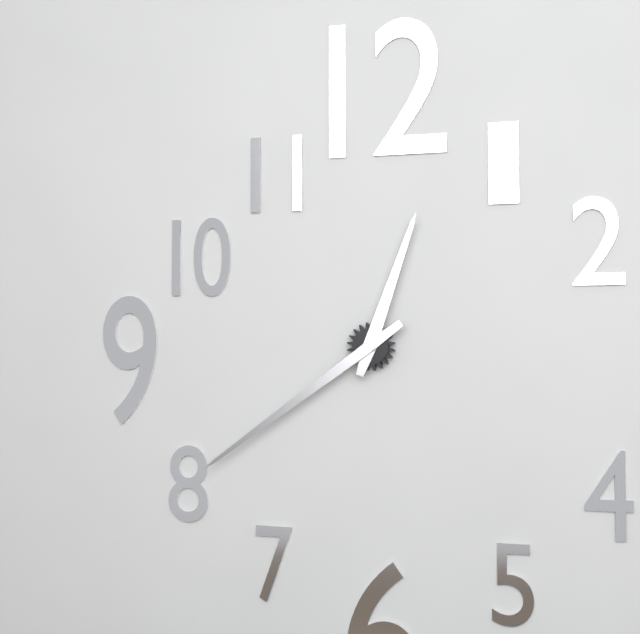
12:39
